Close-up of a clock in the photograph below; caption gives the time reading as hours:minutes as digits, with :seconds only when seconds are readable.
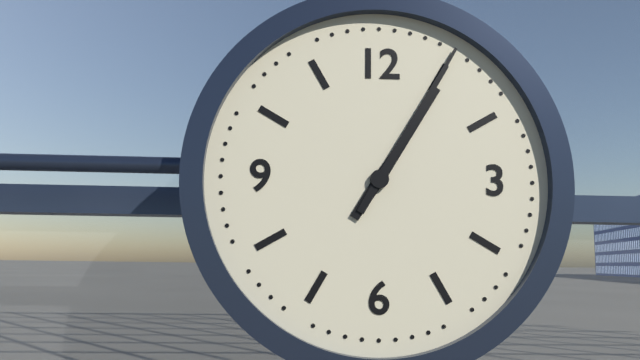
1:05
